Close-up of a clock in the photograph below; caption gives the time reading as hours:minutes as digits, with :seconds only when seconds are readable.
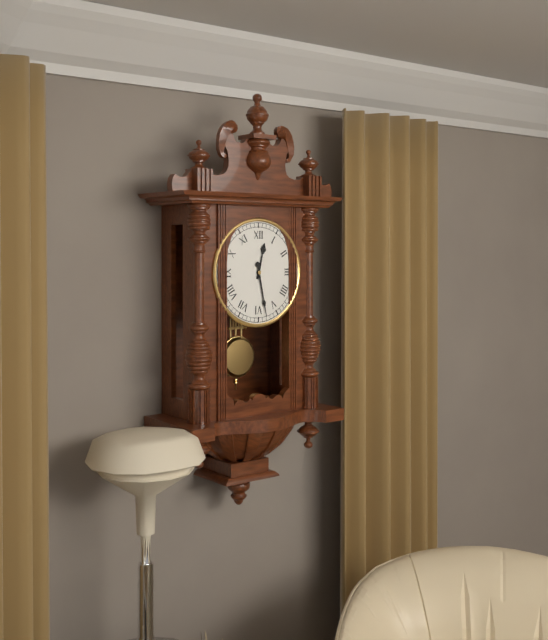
12:28
